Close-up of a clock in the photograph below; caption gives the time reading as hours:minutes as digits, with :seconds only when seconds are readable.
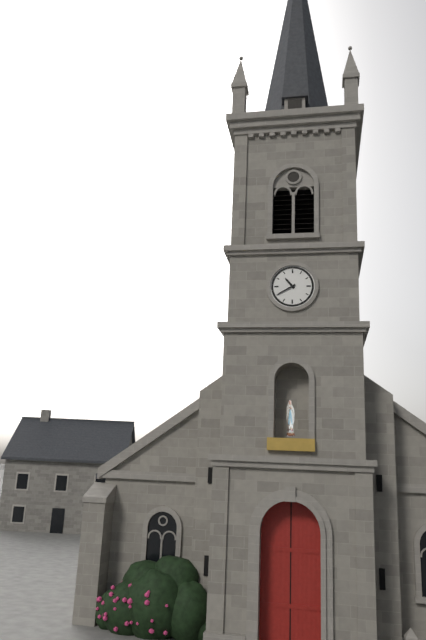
10:40
